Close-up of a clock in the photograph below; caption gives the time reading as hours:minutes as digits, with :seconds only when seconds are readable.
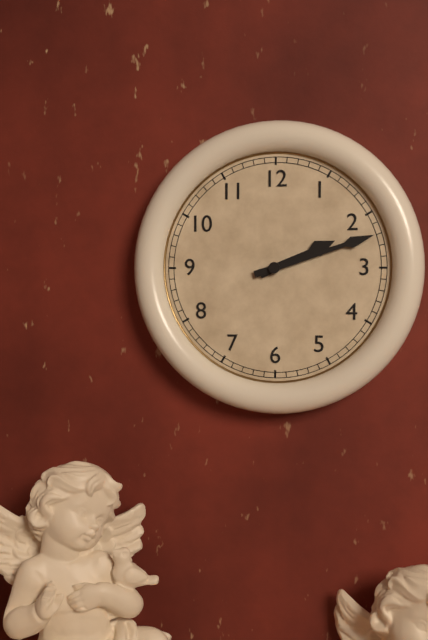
2:12
